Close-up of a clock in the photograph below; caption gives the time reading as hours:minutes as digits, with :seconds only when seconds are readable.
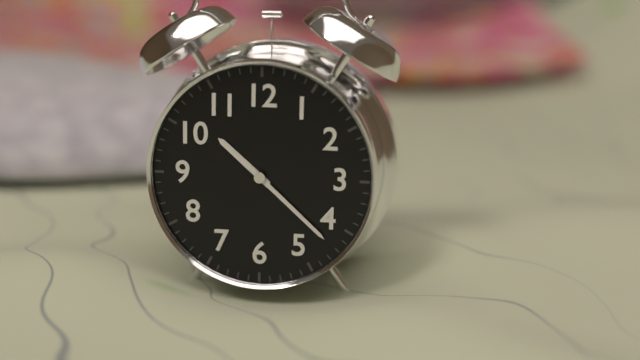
10:22
